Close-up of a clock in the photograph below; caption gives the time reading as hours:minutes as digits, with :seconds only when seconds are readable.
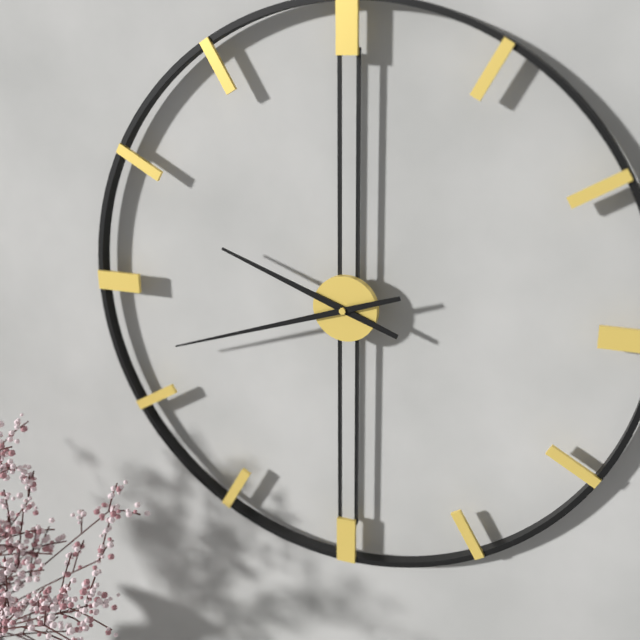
9:42
